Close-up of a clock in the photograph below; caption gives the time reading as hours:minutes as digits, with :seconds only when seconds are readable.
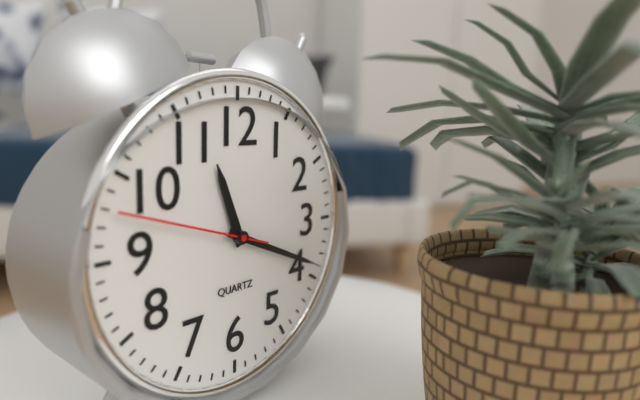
11:19:48
